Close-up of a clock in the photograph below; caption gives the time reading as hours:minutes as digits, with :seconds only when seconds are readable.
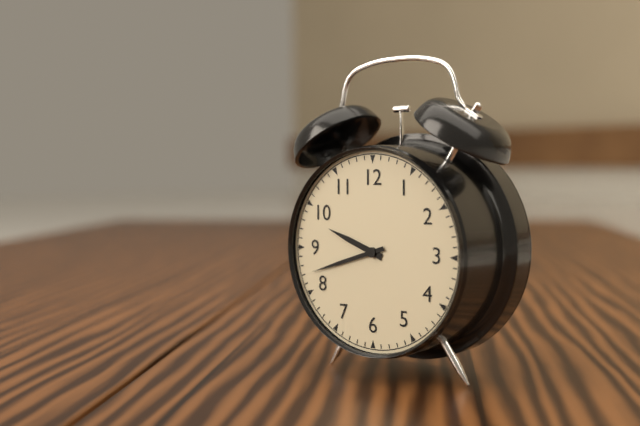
9:42
